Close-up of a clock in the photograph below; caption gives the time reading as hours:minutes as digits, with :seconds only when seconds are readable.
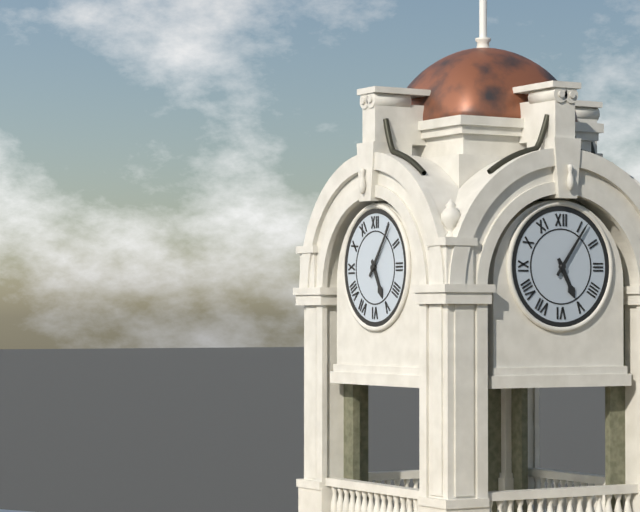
5:06
